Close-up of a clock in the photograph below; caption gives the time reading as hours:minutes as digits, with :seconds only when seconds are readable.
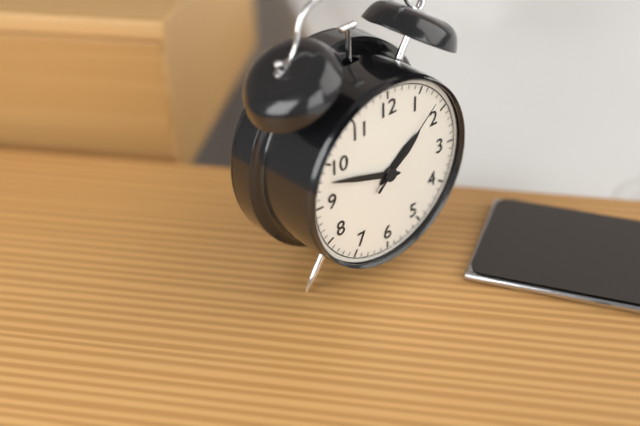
1:48:08
